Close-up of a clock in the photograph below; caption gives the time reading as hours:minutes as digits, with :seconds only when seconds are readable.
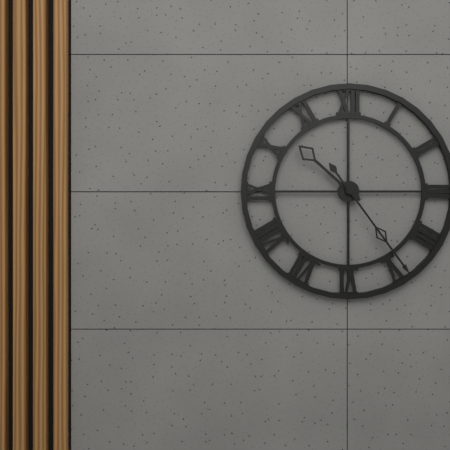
10:24
